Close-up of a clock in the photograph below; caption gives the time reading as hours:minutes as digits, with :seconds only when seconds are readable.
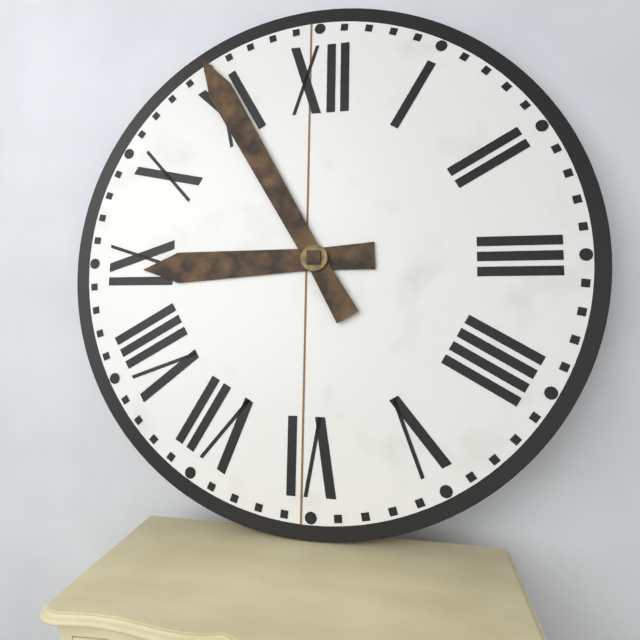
8:55
